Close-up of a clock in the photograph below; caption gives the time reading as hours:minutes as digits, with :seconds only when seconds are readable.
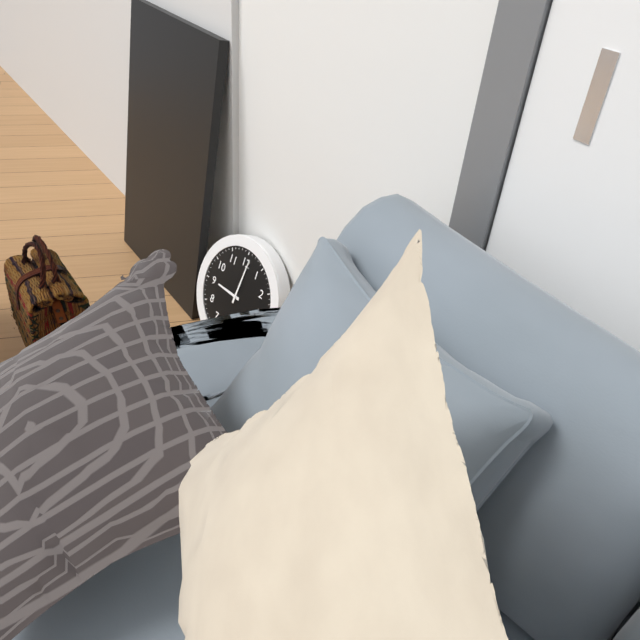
9:01
